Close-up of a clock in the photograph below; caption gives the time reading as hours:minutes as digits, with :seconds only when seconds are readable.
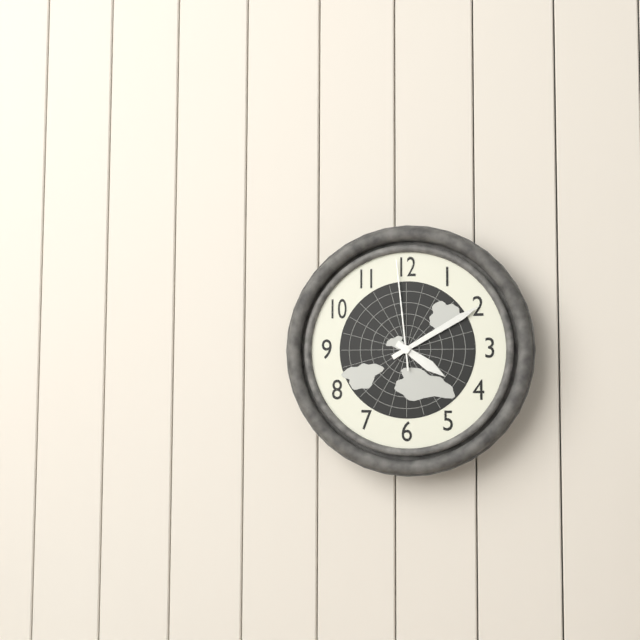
4:10:59
